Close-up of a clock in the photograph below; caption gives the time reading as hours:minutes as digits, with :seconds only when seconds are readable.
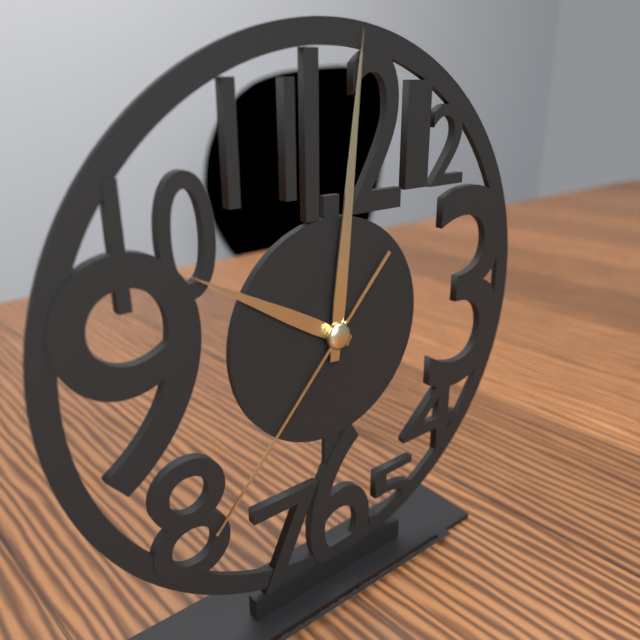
10:01:37
